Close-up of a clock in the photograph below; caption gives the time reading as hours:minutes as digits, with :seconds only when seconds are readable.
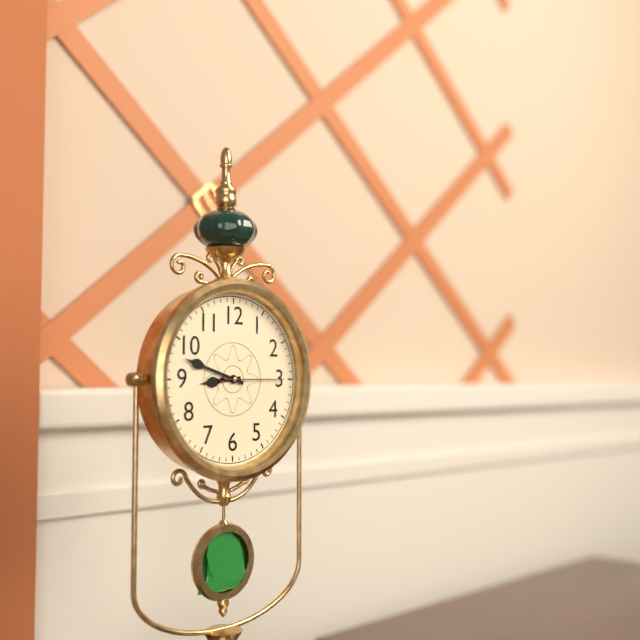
8:48:15
